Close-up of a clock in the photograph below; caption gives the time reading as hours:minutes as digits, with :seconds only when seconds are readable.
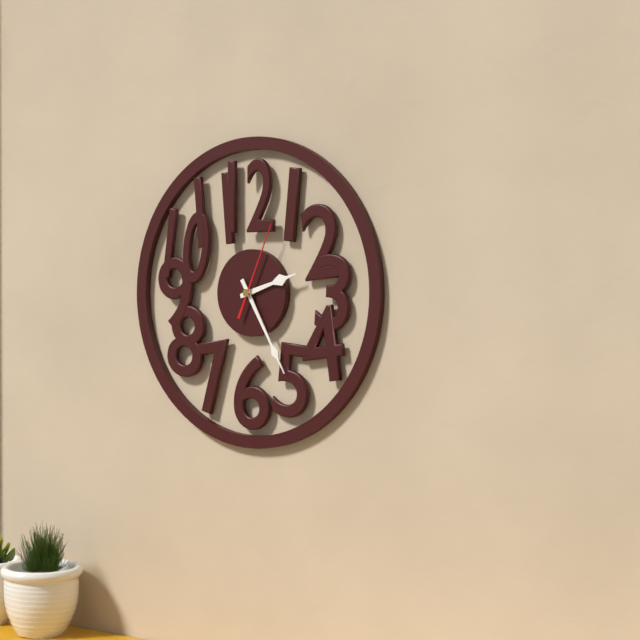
2:25:04
